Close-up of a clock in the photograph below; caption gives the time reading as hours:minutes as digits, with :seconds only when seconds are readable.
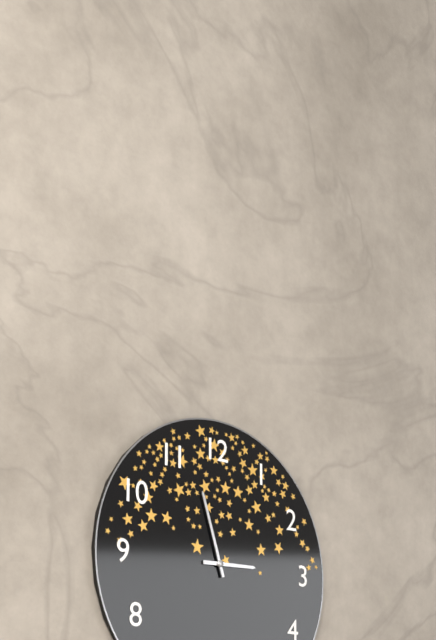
2:57
